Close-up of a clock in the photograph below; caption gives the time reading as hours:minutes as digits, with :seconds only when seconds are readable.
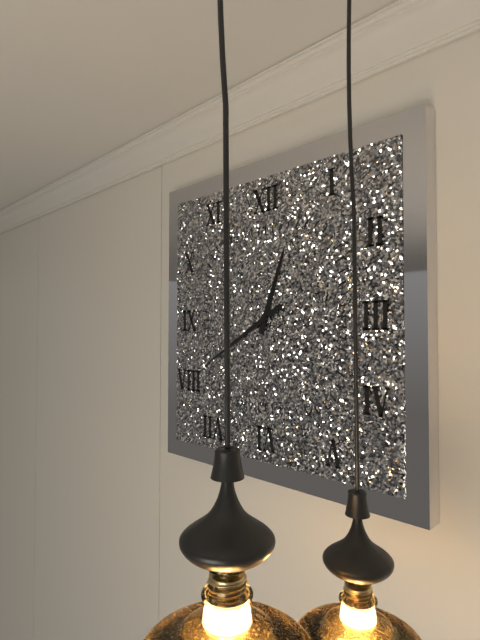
12:40
